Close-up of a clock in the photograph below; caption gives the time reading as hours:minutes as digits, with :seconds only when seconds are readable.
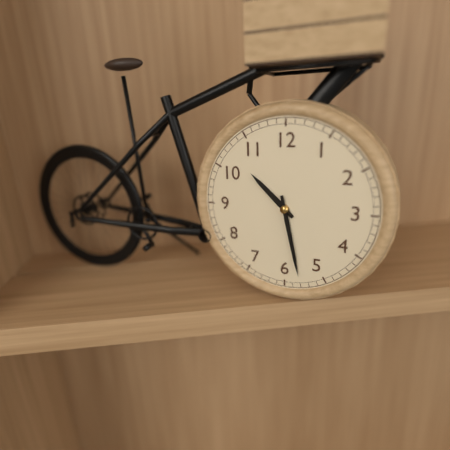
10:28
